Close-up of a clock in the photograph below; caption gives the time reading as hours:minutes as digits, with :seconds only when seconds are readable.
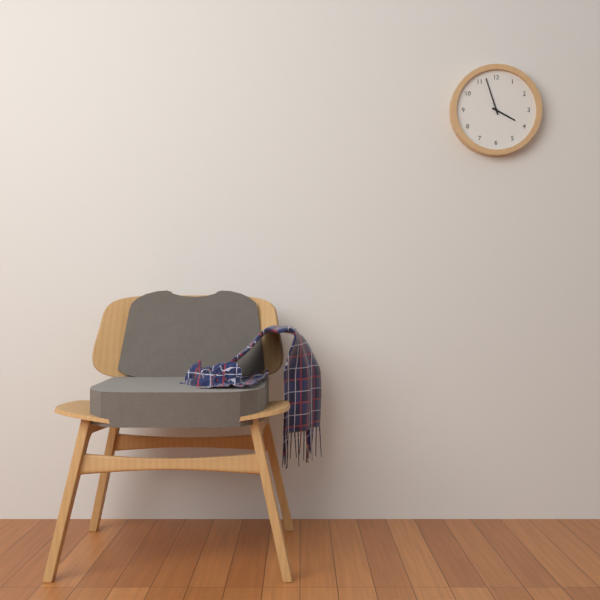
3:57
